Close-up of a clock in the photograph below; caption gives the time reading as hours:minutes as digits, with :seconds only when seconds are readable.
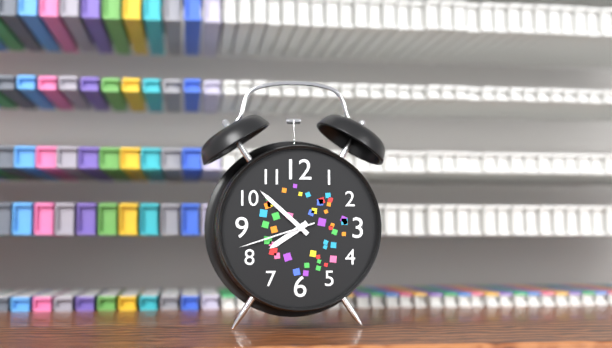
7:52:42
